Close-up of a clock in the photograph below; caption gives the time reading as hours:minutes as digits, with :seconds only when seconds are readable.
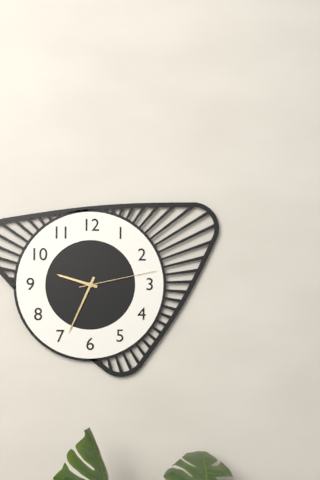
9:34:13
